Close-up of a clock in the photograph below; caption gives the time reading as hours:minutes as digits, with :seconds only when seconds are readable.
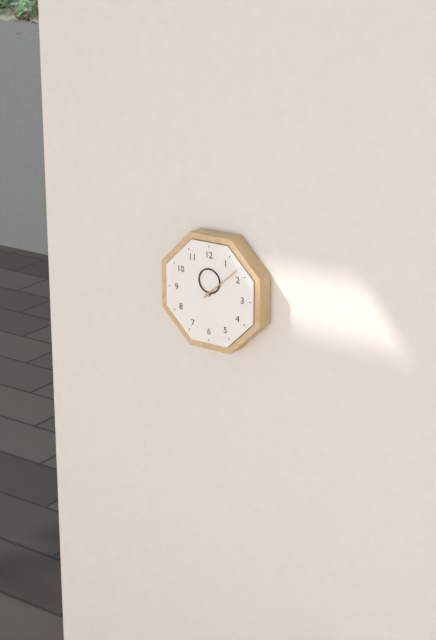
12:08
